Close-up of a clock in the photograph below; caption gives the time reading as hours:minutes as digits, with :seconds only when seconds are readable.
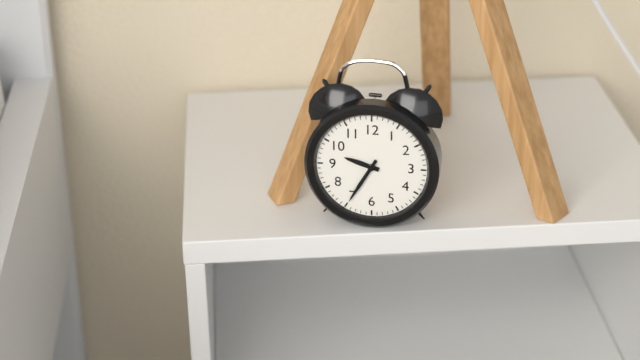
9:35
